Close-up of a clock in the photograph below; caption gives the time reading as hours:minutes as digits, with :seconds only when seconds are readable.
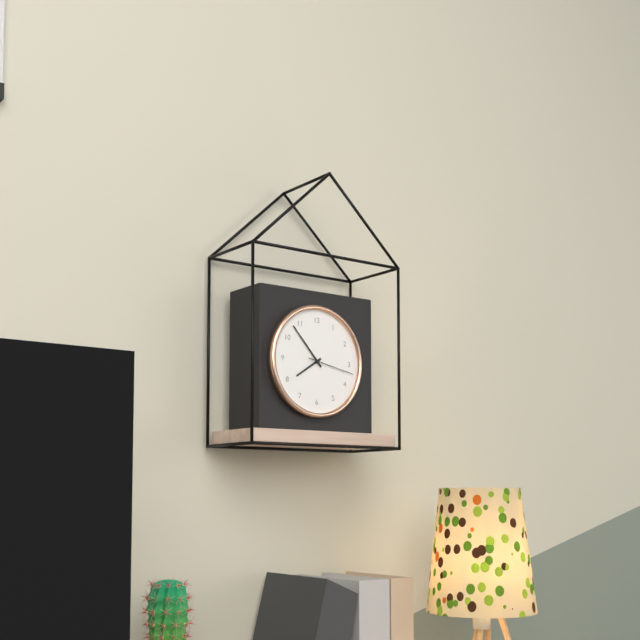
7:53
